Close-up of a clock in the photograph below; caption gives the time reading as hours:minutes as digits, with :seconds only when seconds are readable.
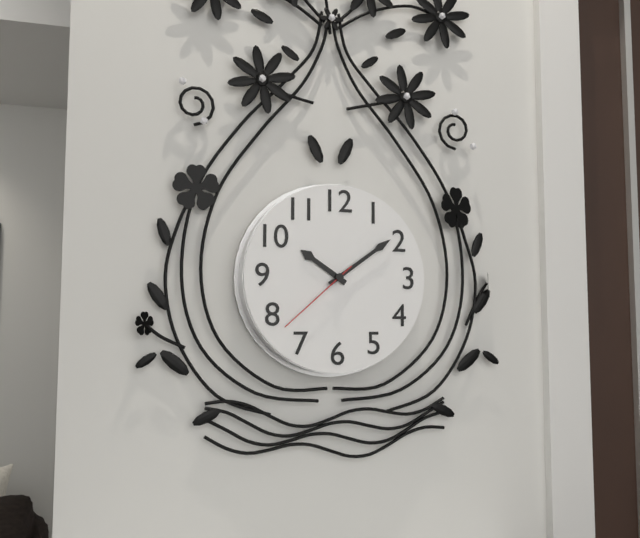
10:09:38
